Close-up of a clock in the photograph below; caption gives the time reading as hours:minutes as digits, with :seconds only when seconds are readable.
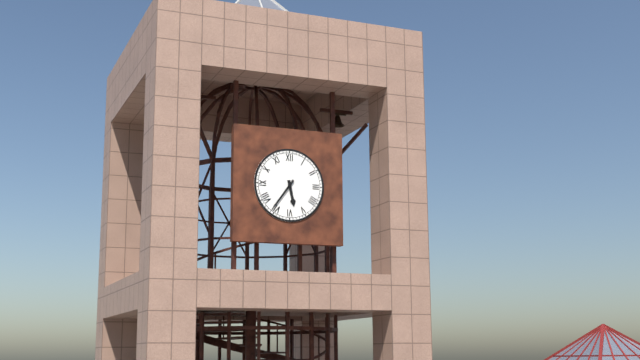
5:36
